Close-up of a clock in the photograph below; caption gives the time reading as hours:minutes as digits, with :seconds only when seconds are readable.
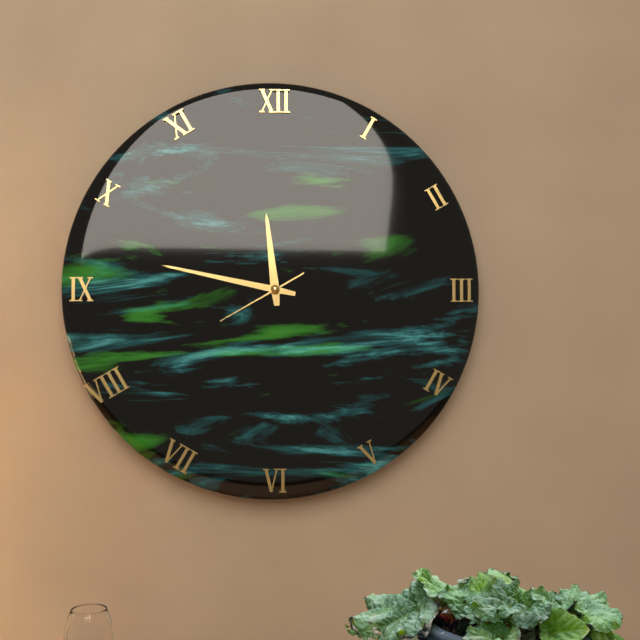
11:47:40
